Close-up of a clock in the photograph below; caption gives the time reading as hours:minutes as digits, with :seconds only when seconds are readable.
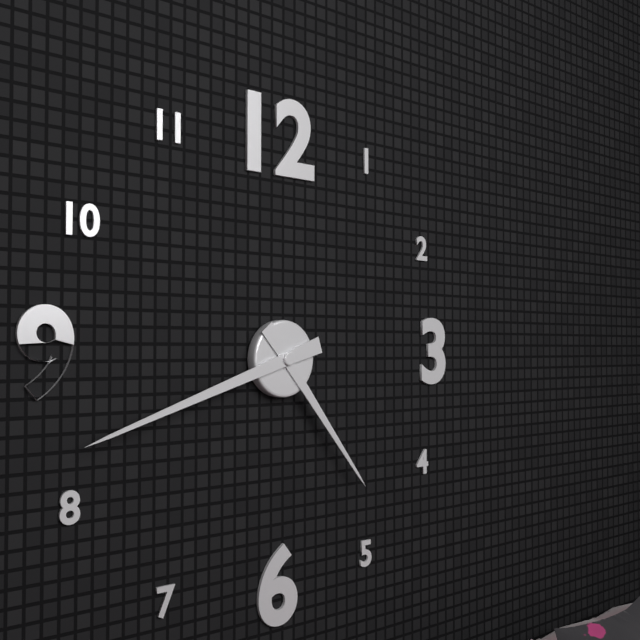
4:42
